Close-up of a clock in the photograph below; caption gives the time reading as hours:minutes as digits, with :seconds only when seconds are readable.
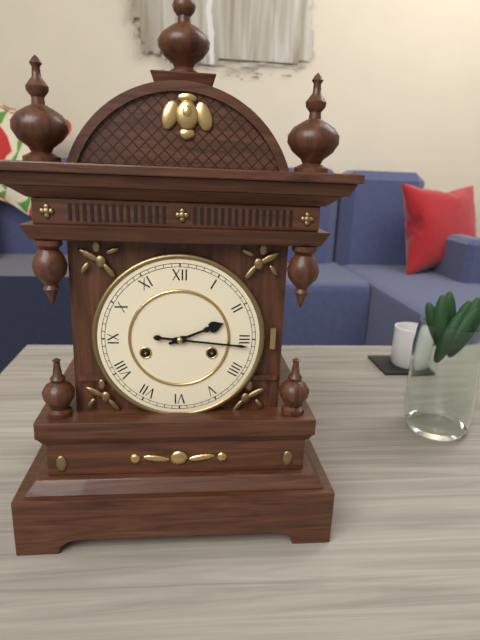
2:16
